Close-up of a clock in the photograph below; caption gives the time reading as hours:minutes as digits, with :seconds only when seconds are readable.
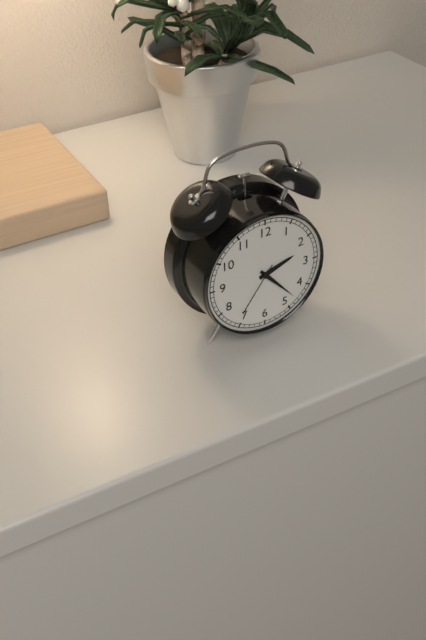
2:23:36
